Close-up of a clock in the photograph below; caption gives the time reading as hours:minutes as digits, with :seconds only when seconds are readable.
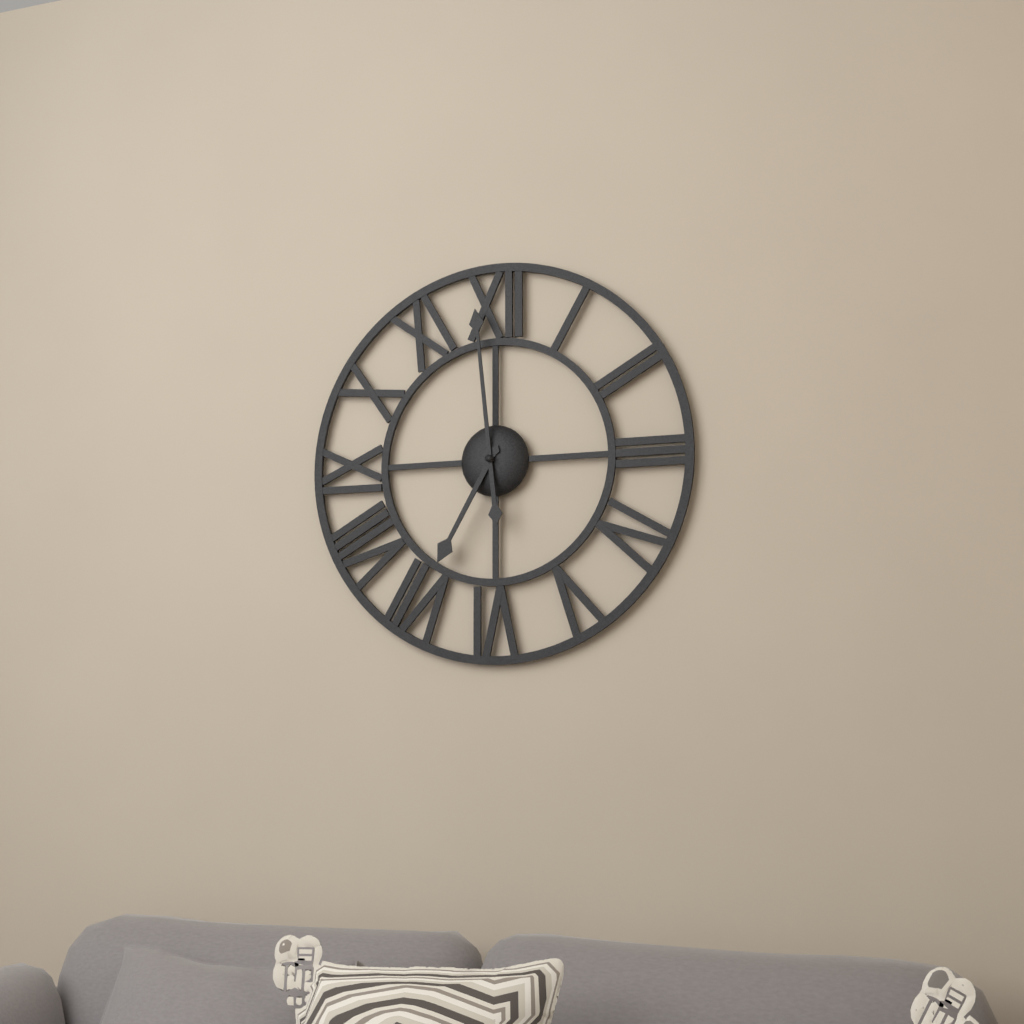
6:59
